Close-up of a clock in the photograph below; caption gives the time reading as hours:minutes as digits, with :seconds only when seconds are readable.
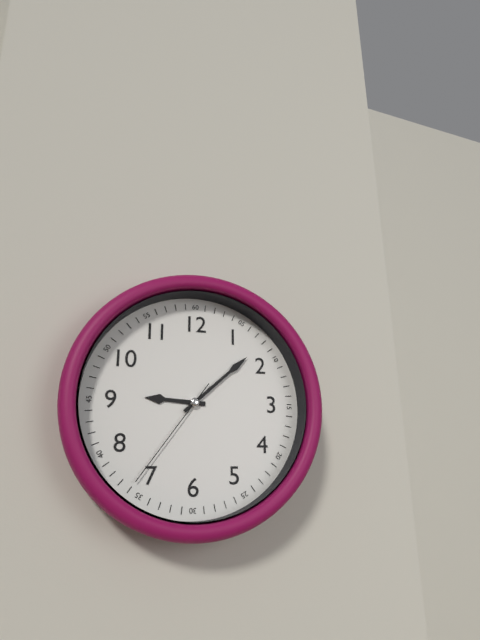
9:08:36
